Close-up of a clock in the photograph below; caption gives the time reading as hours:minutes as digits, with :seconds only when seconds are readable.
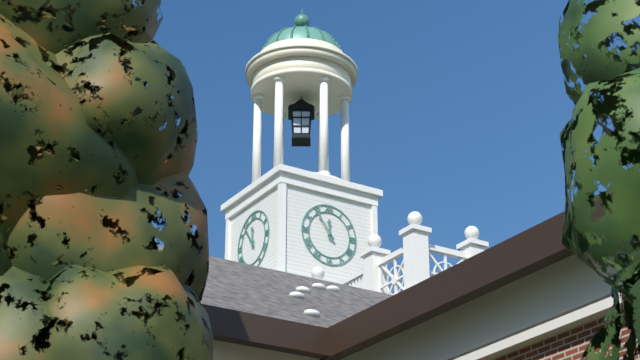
11:54
